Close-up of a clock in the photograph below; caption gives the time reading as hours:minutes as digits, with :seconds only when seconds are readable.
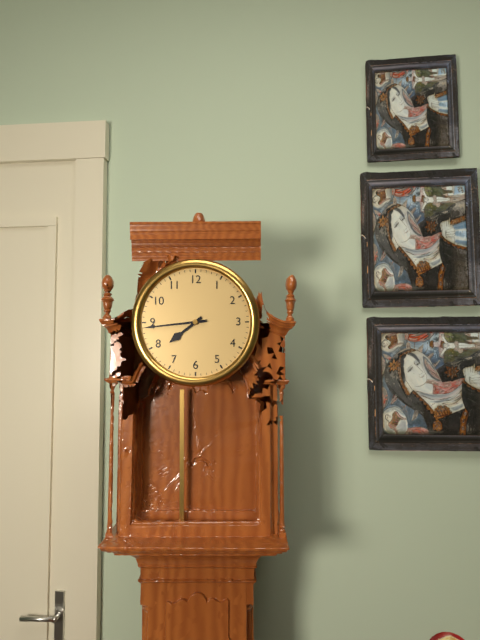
7:44
